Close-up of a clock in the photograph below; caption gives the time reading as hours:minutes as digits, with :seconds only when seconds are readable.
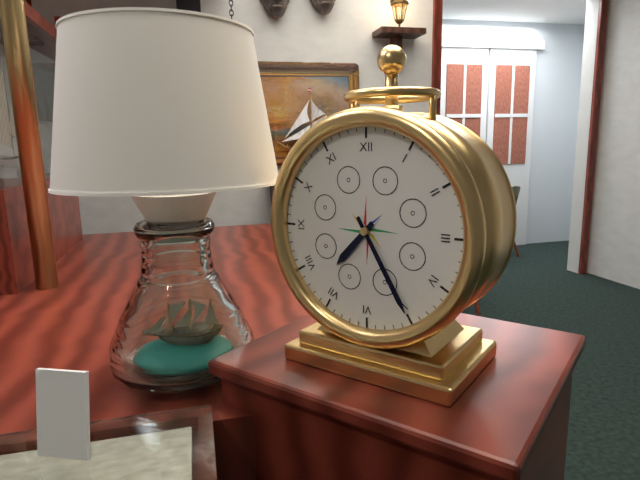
7:25
